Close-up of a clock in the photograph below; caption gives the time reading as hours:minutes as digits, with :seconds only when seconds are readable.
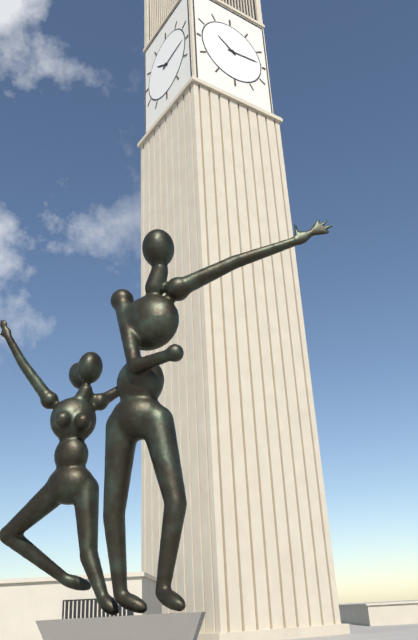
10:14
